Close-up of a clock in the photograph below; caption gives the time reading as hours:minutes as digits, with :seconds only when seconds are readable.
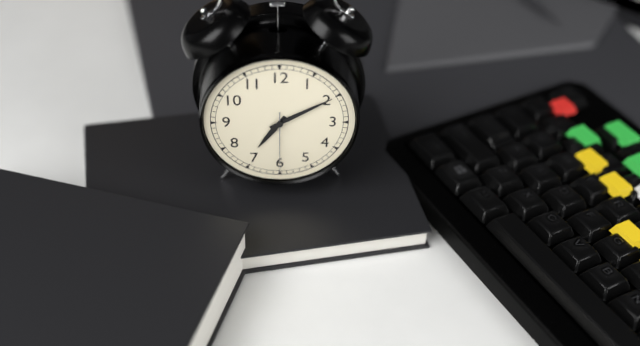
7:10:30
